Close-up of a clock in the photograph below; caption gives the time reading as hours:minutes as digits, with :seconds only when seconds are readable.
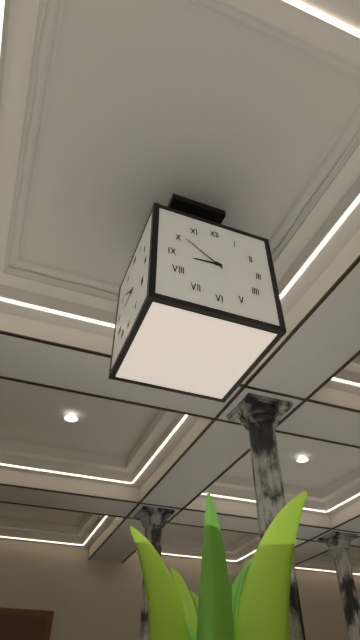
8:51
